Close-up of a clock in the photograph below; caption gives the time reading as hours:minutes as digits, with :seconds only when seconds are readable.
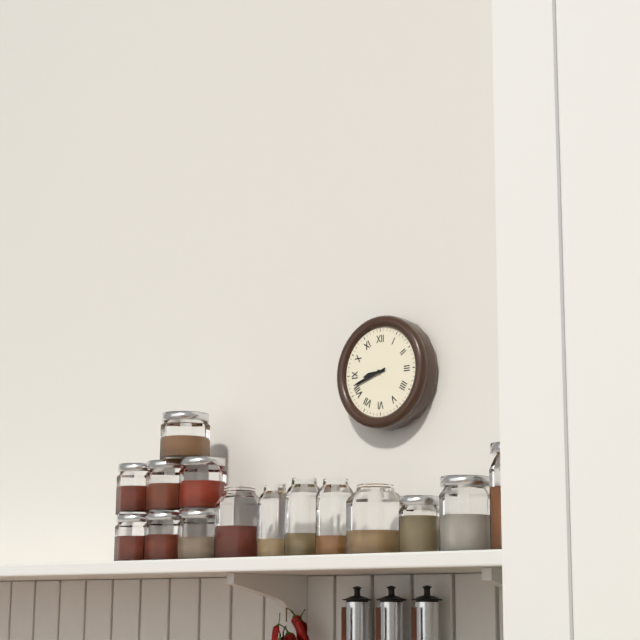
8:42
